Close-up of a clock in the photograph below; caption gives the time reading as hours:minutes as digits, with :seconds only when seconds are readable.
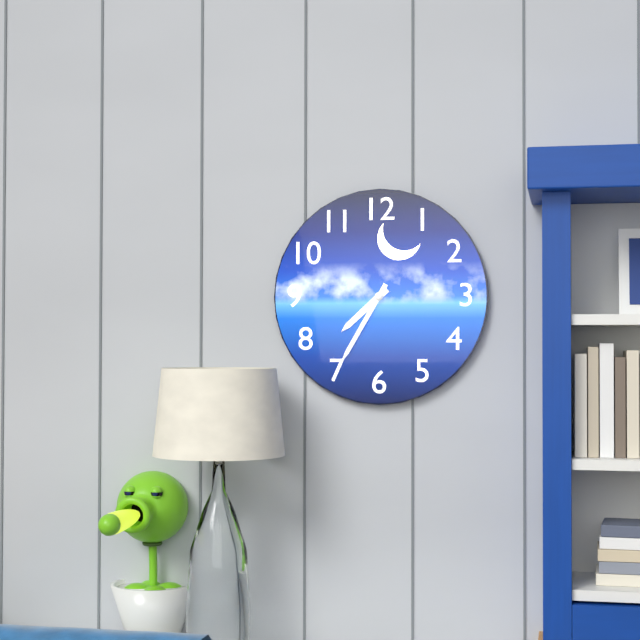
7:35
